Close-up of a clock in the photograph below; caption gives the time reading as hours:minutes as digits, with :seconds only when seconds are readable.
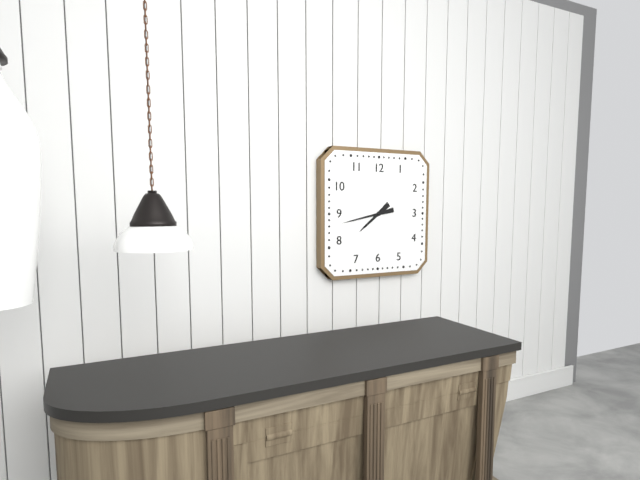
7:43
